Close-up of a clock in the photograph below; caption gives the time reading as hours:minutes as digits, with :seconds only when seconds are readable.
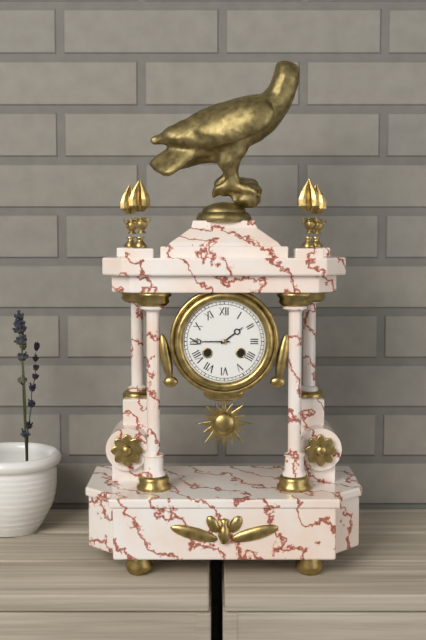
1:45
